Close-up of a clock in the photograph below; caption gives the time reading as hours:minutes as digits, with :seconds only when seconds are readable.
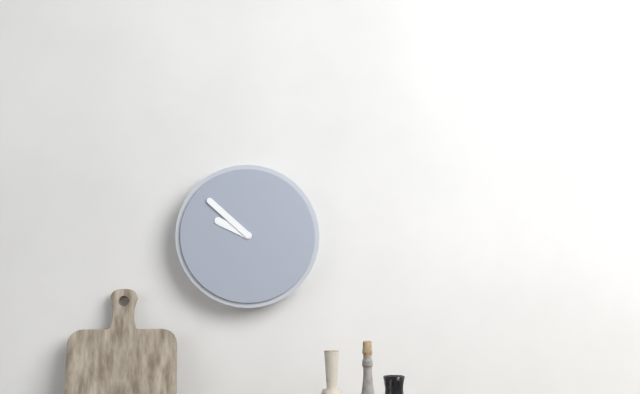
9:52
